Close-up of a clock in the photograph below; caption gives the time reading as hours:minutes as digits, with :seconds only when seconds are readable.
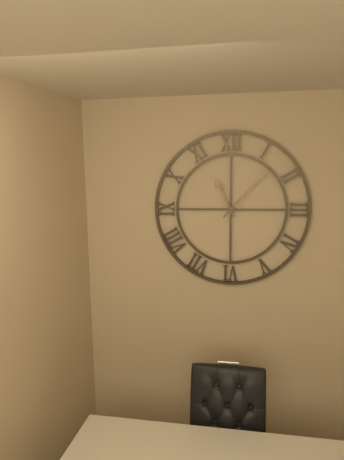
11:07
